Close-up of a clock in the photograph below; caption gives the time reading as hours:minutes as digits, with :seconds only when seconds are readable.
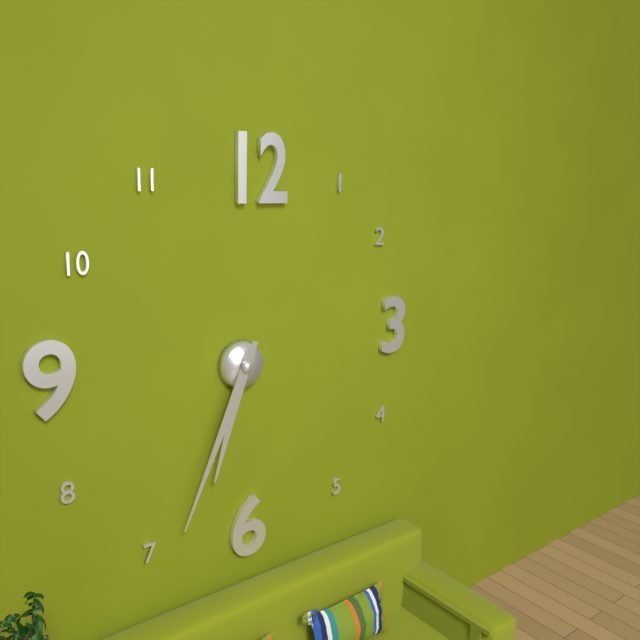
6:34
